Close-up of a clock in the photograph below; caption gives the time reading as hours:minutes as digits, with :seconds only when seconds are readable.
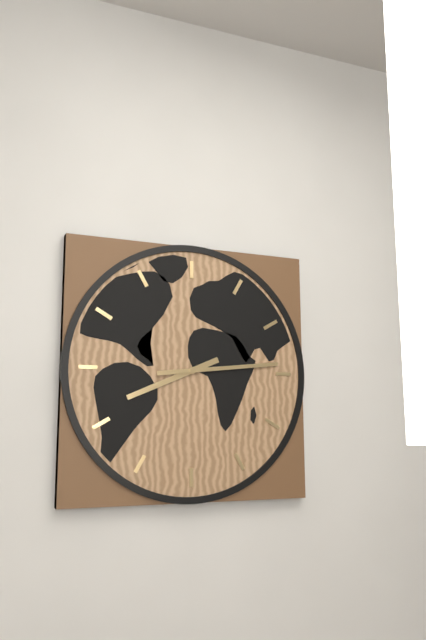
8:14
